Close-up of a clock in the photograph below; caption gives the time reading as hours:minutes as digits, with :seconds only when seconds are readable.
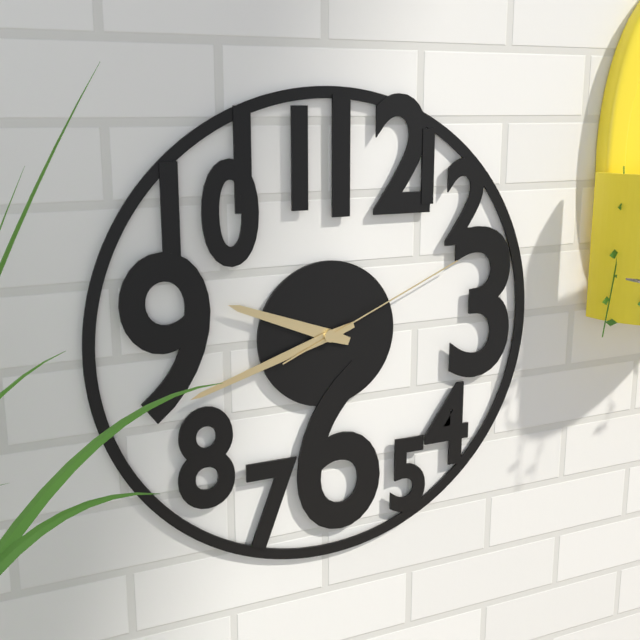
9:42:11
